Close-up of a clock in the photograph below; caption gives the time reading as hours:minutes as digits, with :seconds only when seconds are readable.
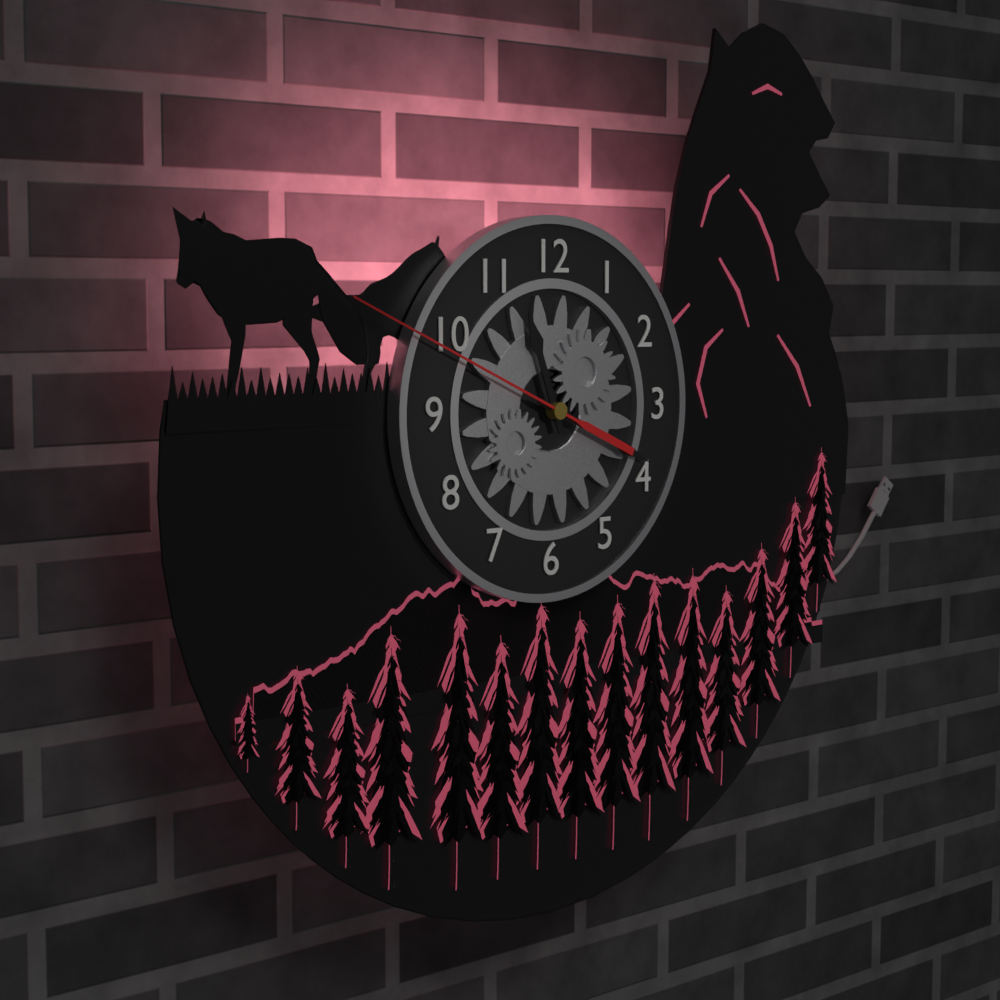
11:19:49
